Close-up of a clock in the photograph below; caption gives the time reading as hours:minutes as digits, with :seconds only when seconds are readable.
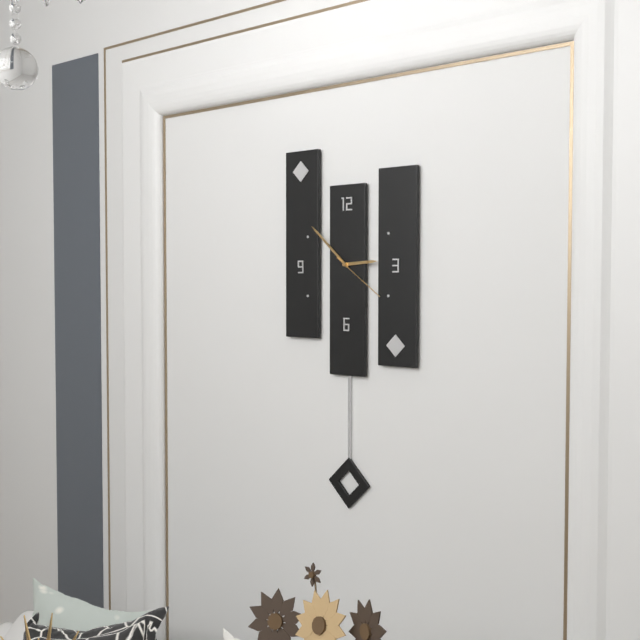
2:52:21
